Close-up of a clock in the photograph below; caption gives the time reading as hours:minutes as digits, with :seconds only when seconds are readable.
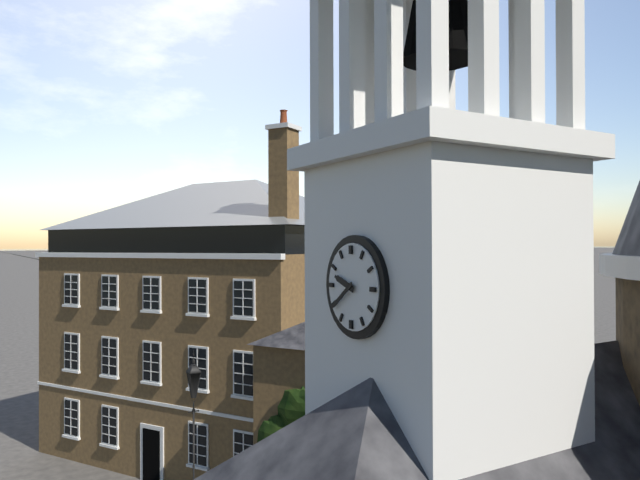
9:39
